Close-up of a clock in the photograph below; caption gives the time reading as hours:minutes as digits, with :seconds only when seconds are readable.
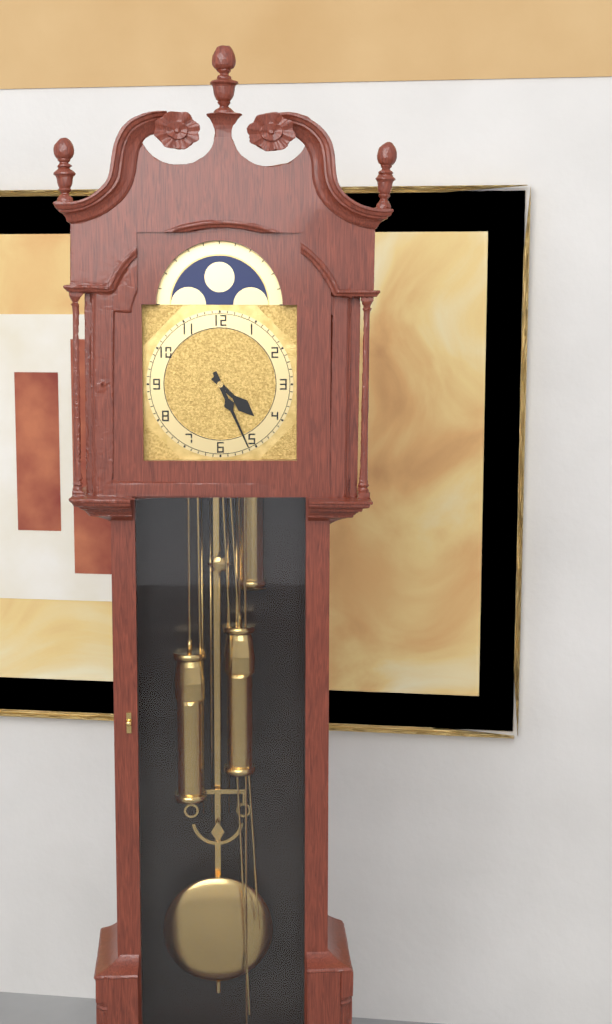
4:26
